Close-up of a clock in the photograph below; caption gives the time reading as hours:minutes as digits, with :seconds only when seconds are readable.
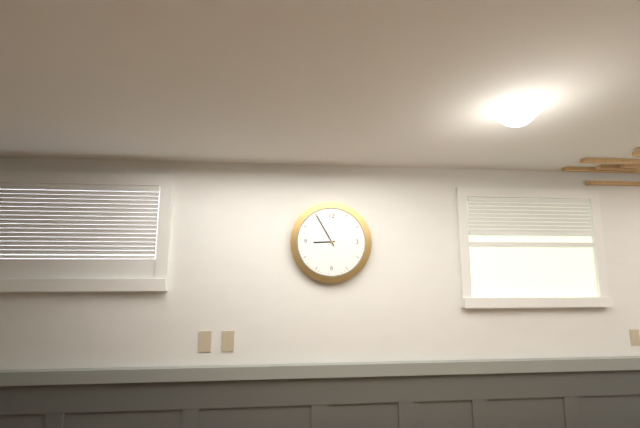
8:55
